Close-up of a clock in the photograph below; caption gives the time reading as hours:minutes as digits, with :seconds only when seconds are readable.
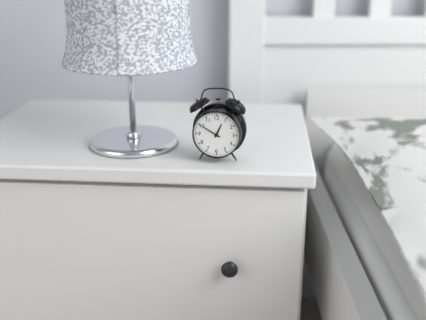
12:50
